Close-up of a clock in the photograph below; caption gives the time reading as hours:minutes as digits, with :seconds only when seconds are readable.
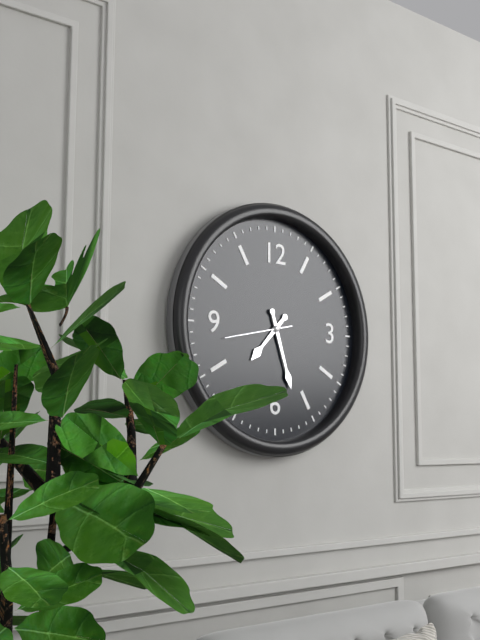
7:27:43
